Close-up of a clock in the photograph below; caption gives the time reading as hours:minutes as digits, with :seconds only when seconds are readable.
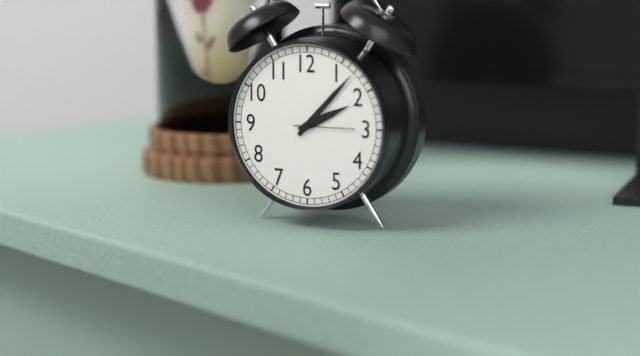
2:07
